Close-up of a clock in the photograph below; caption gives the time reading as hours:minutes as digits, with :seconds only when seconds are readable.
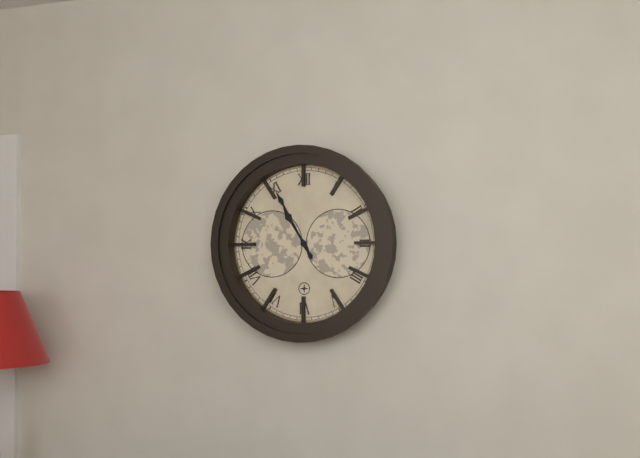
10:55
